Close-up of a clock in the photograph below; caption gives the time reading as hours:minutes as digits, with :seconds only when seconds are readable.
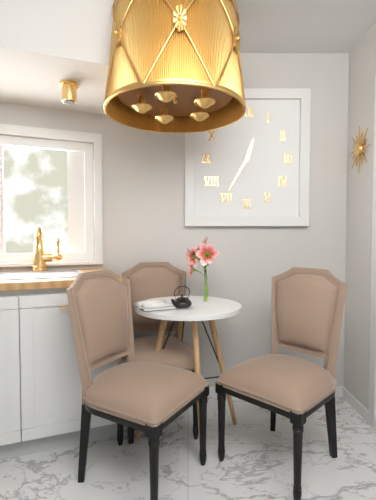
12:35
